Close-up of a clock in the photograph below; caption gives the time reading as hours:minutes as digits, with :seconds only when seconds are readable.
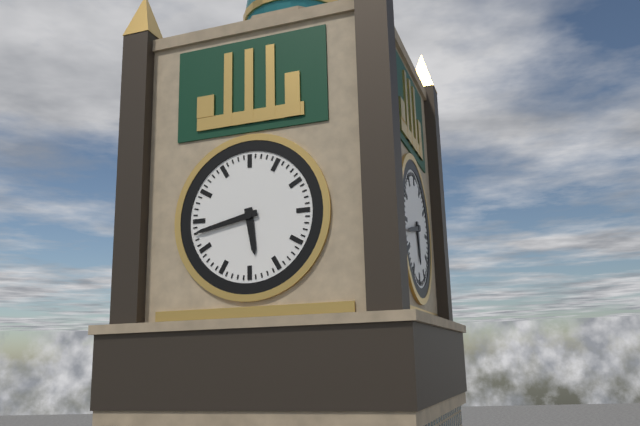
5:43
